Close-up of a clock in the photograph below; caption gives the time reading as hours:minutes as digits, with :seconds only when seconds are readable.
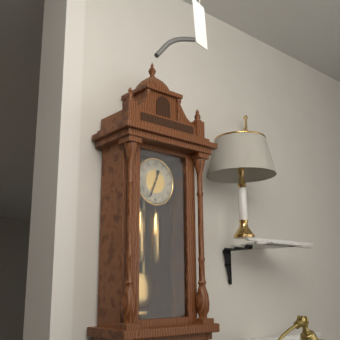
12:34
